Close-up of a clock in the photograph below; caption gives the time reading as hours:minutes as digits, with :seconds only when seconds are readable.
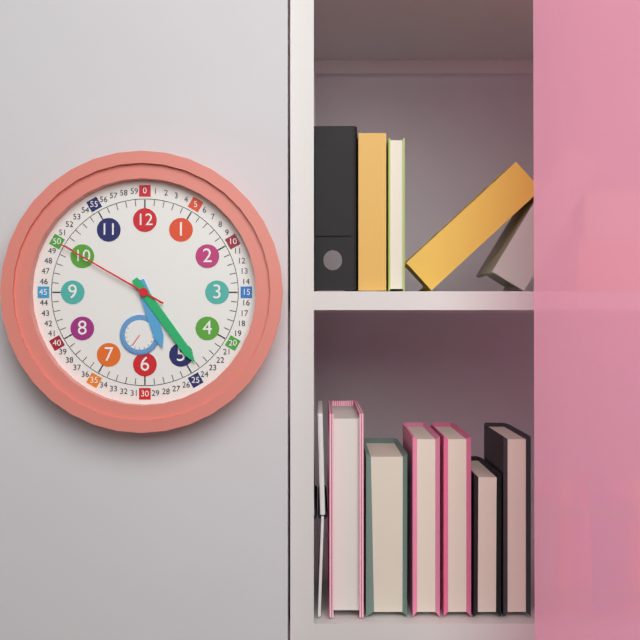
5:24:50
